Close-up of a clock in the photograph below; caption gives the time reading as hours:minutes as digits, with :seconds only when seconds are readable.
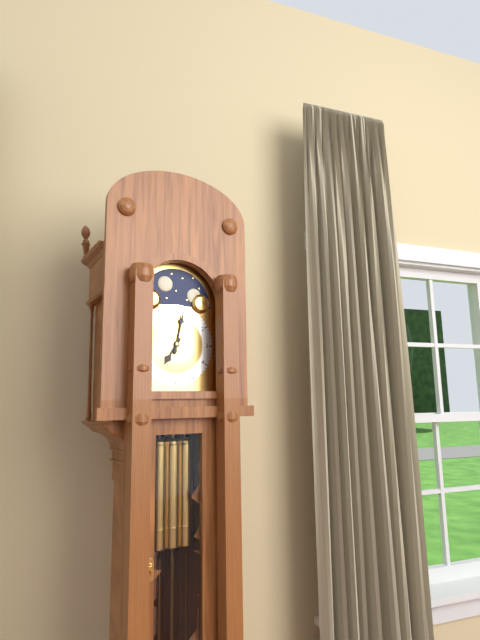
7:02
